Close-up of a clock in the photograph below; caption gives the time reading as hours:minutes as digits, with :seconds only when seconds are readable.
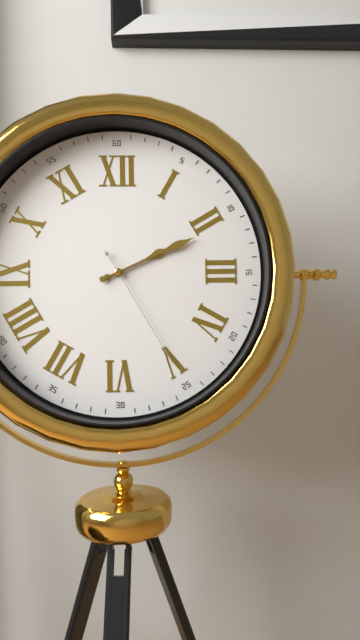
2:11:25
